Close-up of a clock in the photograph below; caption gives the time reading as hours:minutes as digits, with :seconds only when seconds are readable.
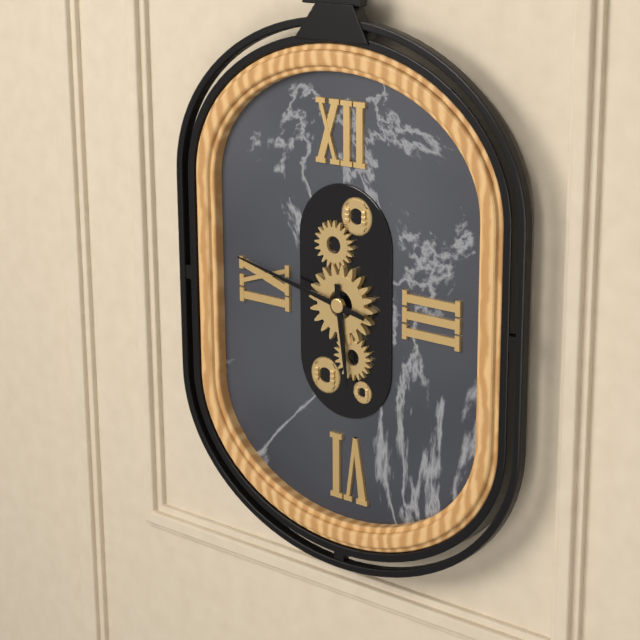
5:47
